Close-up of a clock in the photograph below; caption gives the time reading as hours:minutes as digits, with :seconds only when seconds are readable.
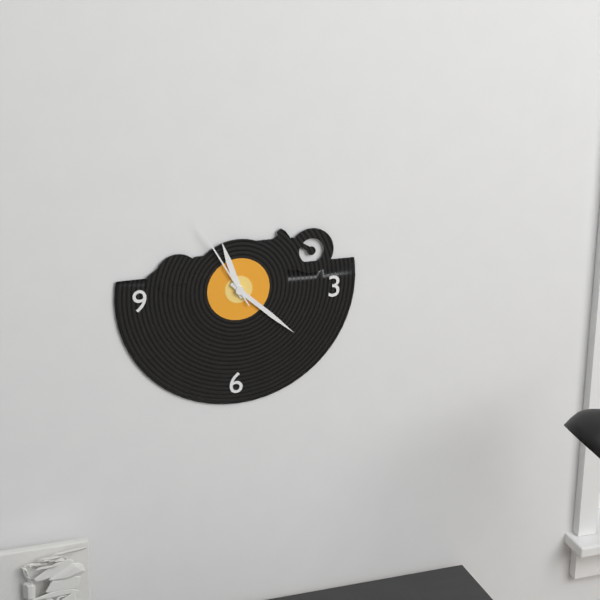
11:22:55
